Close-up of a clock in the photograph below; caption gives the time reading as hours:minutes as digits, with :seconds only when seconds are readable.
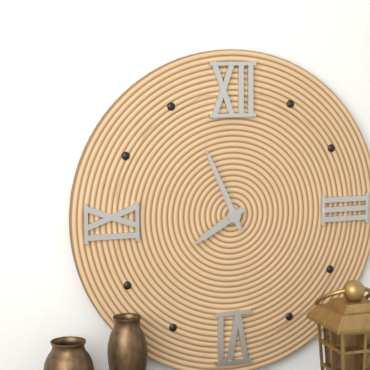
7:56
